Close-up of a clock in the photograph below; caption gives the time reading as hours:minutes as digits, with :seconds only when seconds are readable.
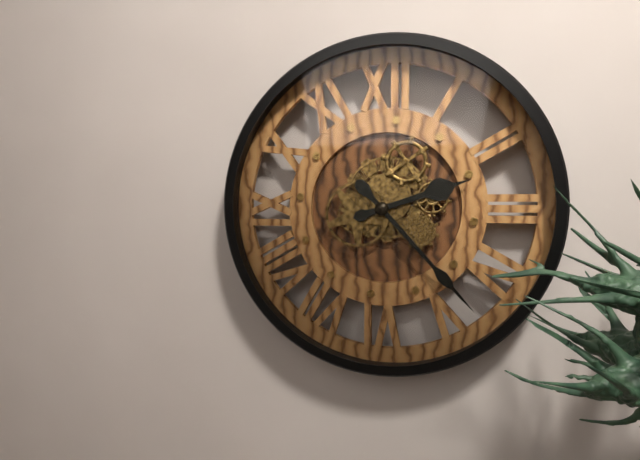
2:23
